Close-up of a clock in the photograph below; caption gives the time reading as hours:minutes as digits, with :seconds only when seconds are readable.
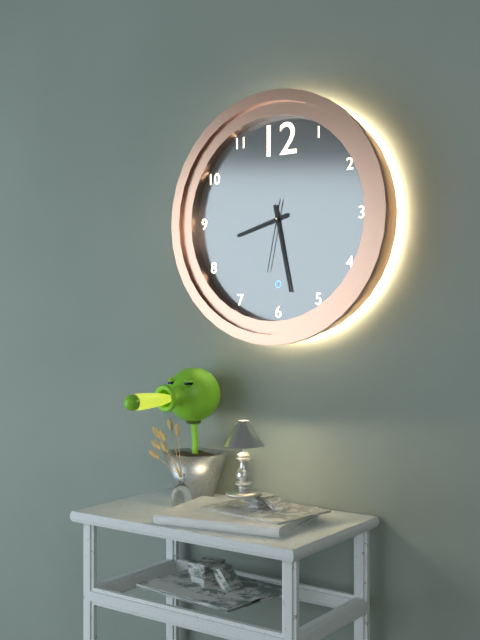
8:28:32
